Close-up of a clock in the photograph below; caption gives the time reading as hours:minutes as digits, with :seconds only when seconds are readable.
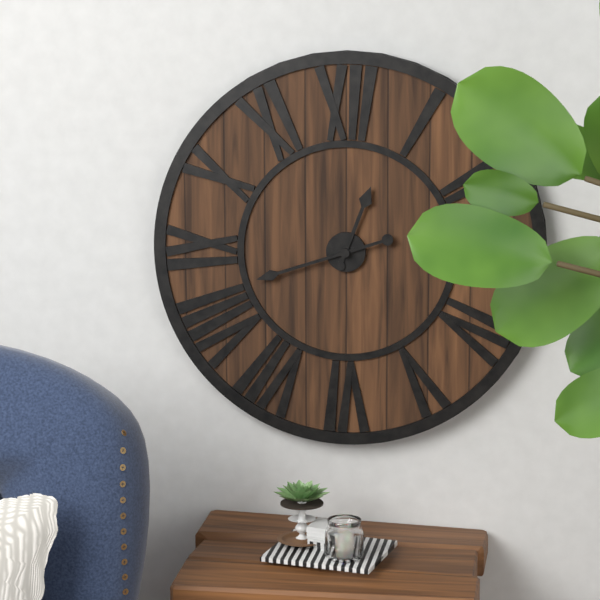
12:42
